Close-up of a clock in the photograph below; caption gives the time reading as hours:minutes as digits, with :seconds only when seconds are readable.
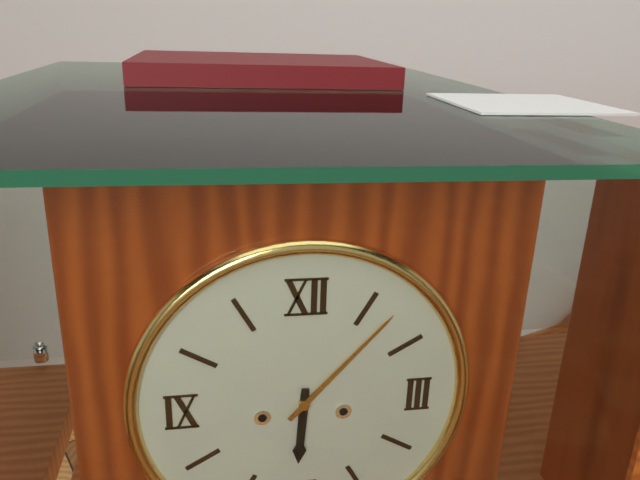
6:07
